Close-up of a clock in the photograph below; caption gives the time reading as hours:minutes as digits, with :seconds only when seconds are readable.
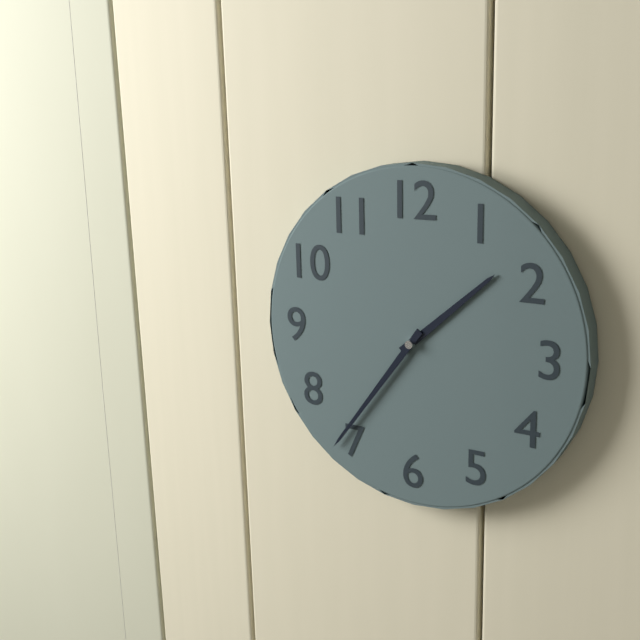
1:36
